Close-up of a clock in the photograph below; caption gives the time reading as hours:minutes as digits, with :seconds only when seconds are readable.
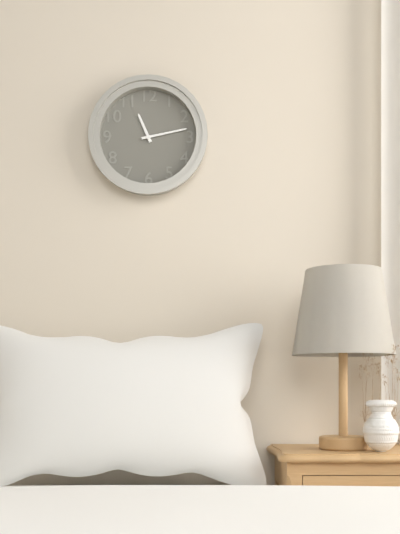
11:13
